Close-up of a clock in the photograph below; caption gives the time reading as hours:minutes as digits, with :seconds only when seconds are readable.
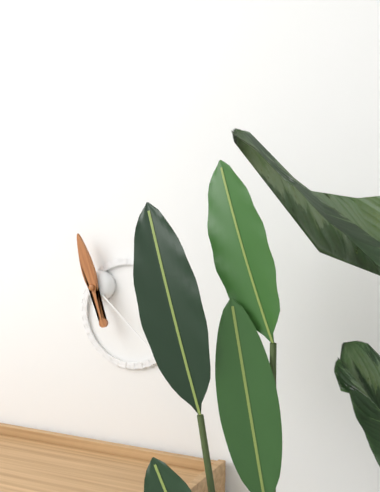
11:22
